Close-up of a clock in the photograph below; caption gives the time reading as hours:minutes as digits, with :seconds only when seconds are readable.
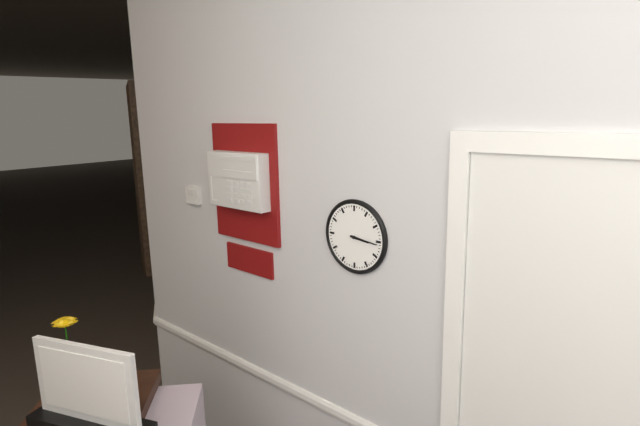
3:16
